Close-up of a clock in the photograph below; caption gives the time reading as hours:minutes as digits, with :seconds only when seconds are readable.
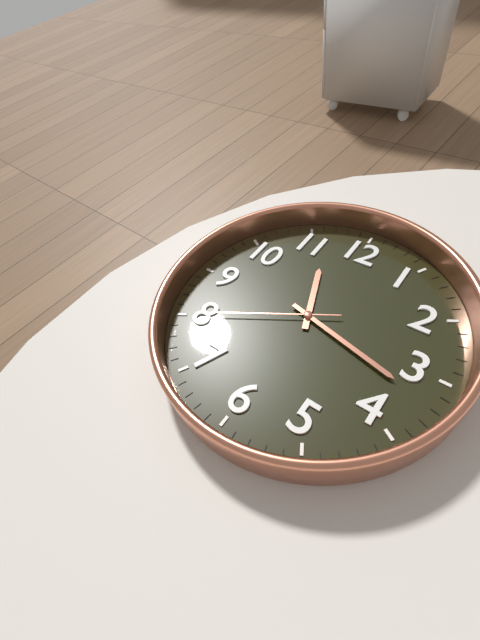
11:17:40
